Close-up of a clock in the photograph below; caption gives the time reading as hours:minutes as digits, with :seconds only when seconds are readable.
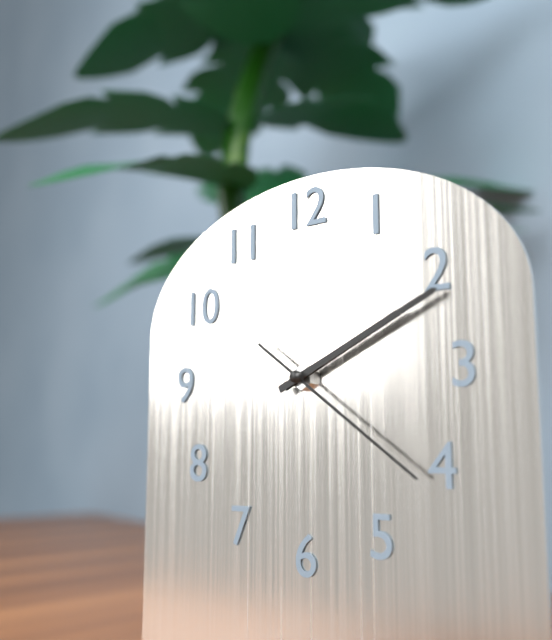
2:11:21
